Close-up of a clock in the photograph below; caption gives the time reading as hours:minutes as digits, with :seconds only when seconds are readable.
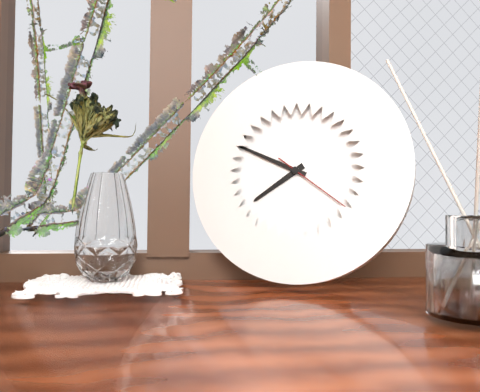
7:49
